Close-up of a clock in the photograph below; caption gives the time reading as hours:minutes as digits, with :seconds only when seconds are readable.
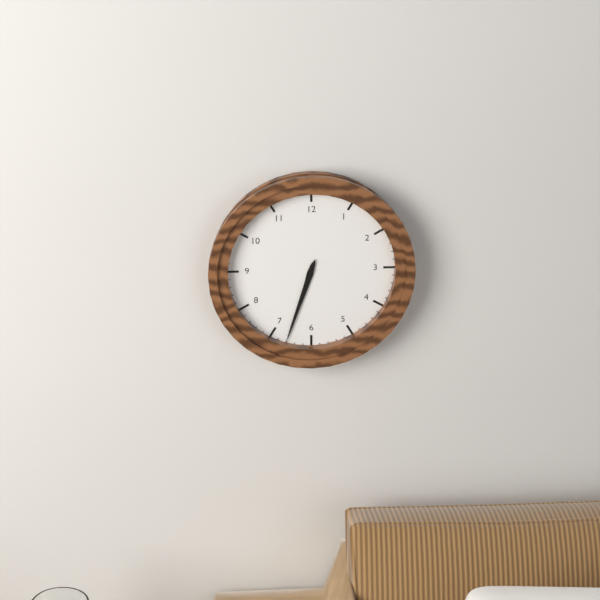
6:33
